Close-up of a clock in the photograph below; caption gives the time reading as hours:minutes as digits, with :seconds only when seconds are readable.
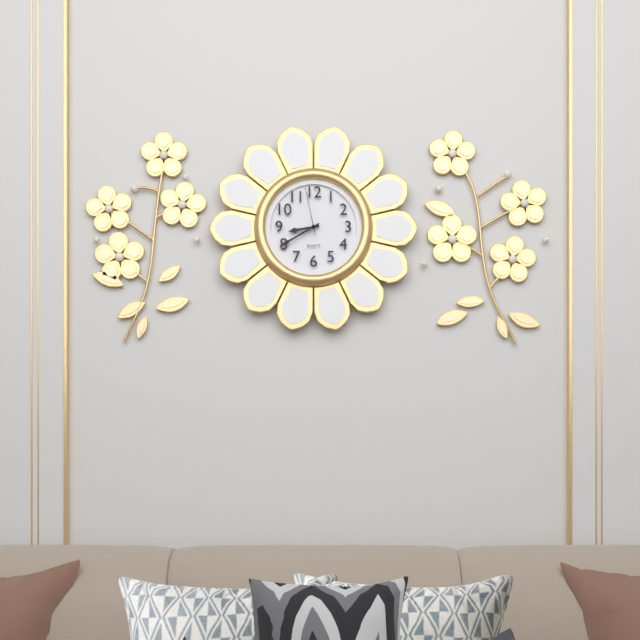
8:40:58
